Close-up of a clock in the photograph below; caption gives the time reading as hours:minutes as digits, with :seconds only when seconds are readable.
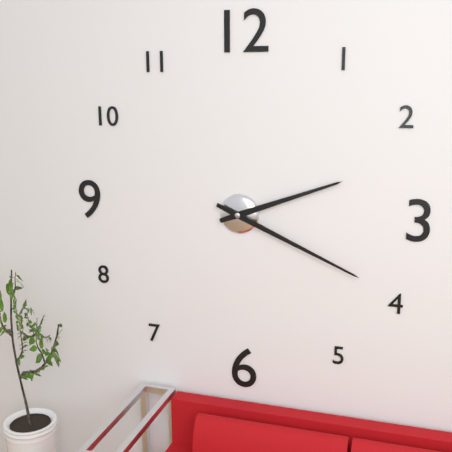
2:19
